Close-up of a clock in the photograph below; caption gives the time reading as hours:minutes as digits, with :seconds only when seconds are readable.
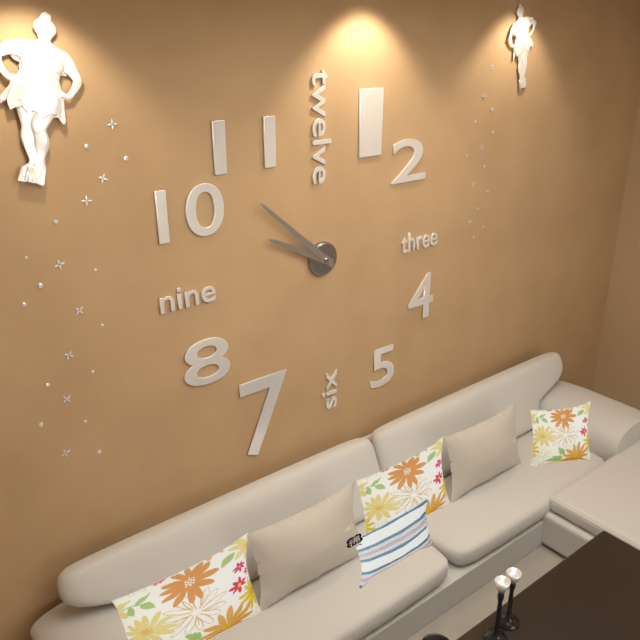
9:52
